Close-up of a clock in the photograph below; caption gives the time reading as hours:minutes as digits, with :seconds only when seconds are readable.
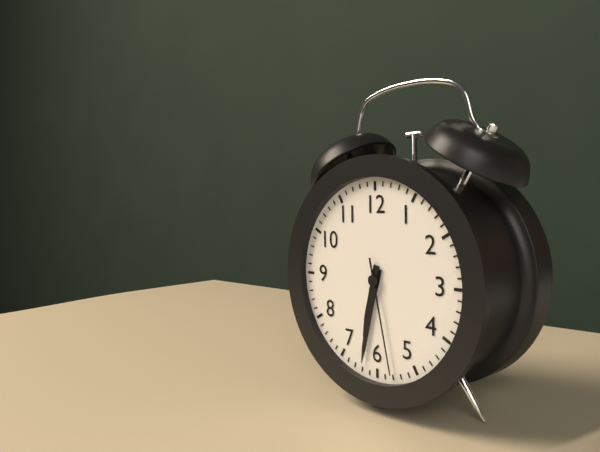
6:32:28
